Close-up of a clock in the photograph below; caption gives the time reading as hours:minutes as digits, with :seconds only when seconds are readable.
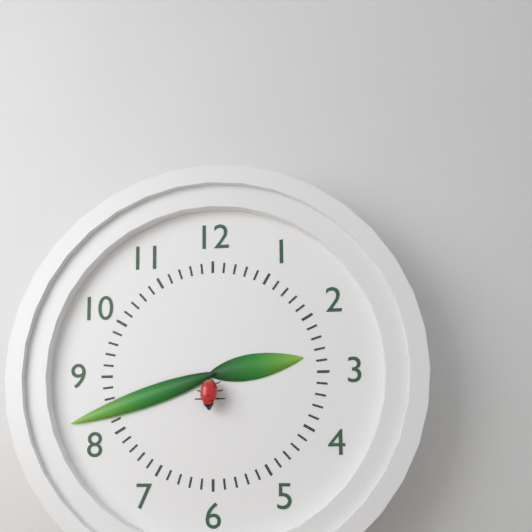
2:42
